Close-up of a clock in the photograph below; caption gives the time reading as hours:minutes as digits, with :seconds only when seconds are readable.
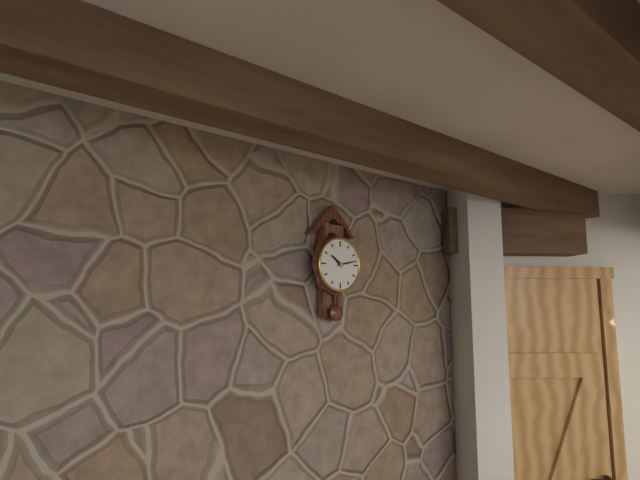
10:13
